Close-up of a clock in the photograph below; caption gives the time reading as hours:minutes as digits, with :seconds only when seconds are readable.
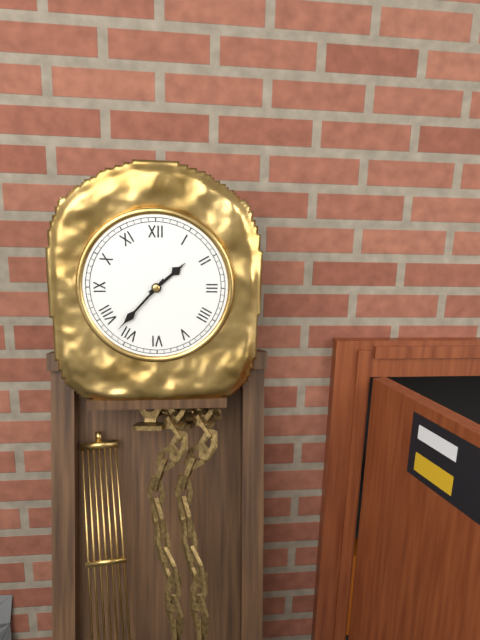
1:37
